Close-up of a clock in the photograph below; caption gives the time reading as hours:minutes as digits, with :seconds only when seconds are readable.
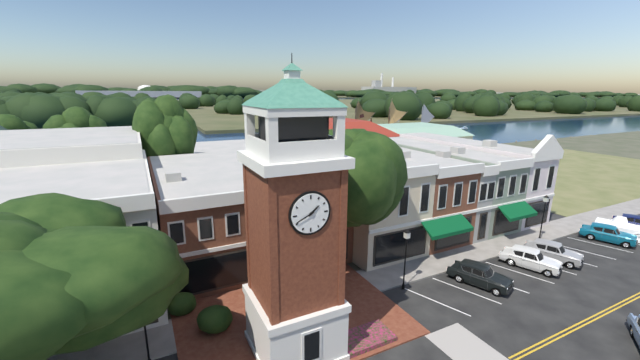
1:41
